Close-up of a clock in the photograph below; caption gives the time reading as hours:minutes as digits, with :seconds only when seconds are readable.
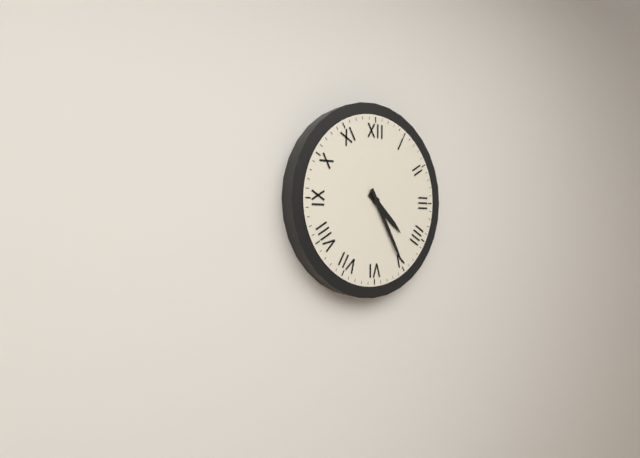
4:25
